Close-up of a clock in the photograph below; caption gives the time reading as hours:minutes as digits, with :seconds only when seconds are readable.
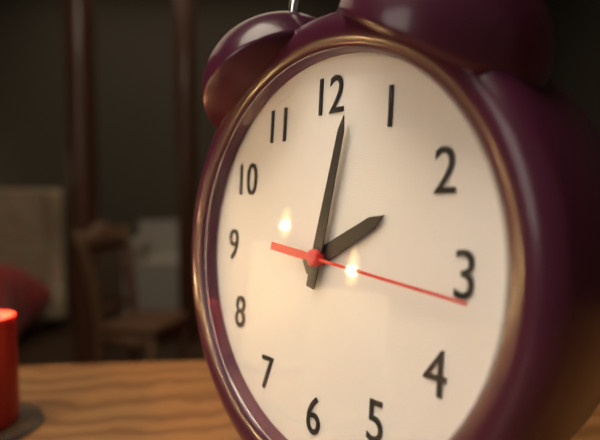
2:02:16
